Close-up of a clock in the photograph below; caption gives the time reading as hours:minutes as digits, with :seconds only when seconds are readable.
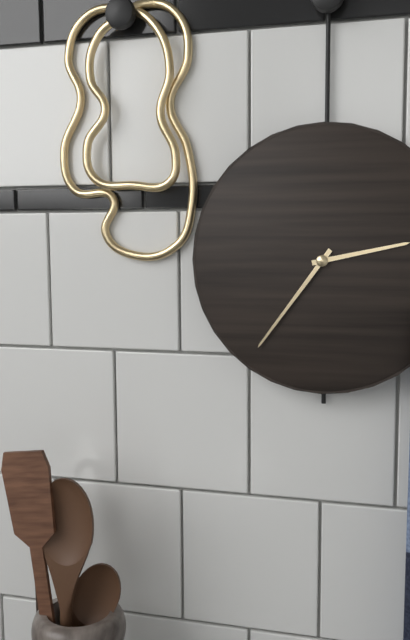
2:36
